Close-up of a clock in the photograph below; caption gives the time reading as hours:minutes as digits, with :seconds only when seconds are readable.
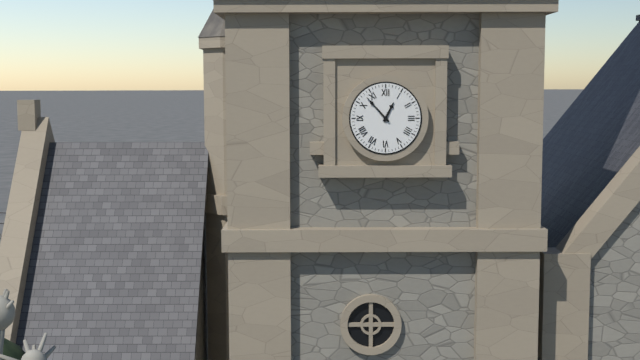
12:53
